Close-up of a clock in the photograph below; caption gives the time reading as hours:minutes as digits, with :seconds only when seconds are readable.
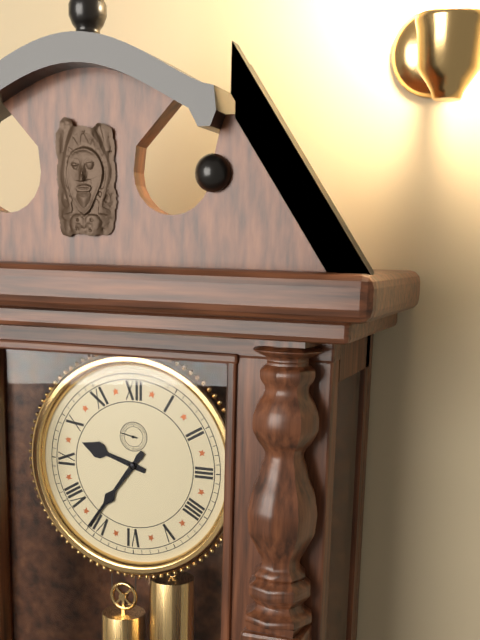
9:36
